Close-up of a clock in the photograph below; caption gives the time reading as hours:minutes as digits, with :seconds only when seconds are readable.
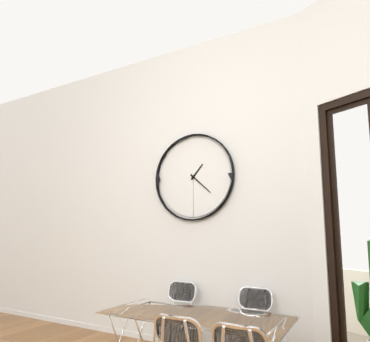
1:22
